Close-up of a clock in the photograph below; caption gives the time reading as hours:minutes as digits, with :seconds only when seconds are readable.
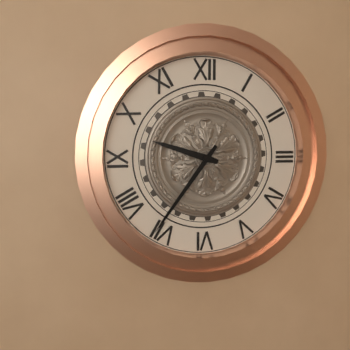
9:36
